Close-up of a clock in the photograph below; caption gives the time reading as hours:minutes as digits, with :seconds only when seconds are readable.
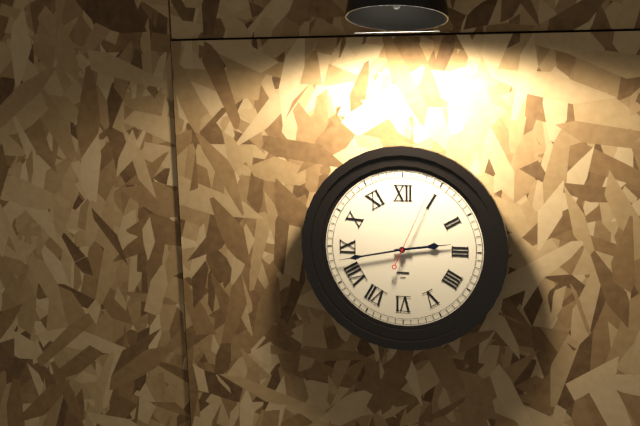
2:43:04
